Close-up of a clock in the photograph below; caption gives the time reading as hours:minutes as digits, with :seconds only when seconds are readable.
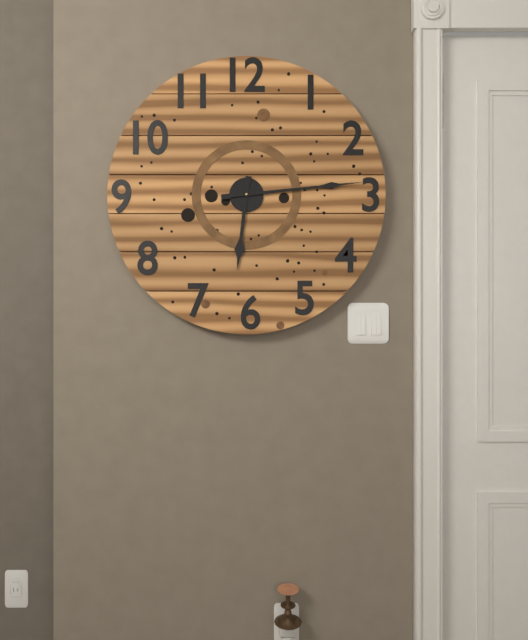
6:14
